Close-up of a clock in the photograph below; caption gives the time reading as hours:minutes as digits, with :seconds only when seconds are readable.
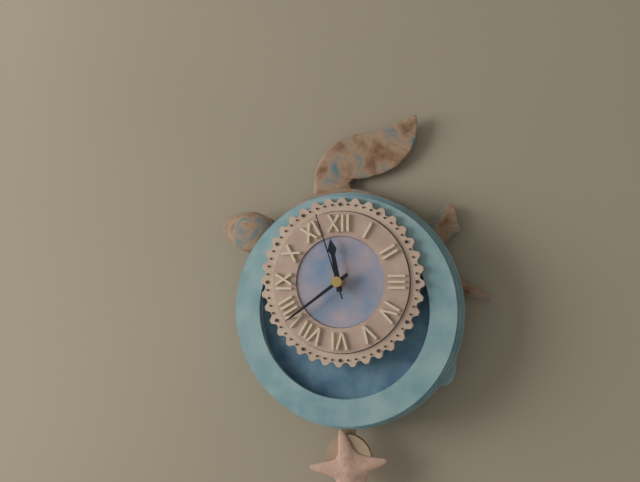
11:39:57
